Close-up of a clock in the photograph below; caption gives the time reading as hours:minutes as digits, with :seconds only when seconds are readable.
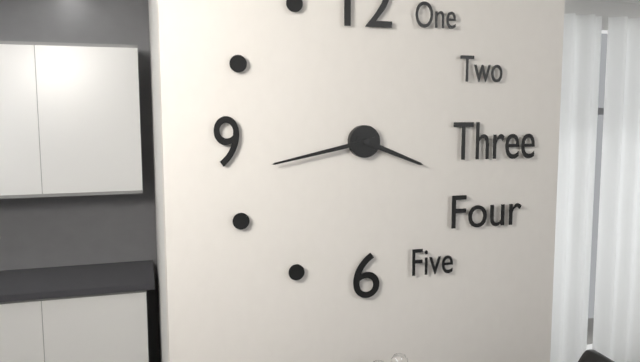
3:43
